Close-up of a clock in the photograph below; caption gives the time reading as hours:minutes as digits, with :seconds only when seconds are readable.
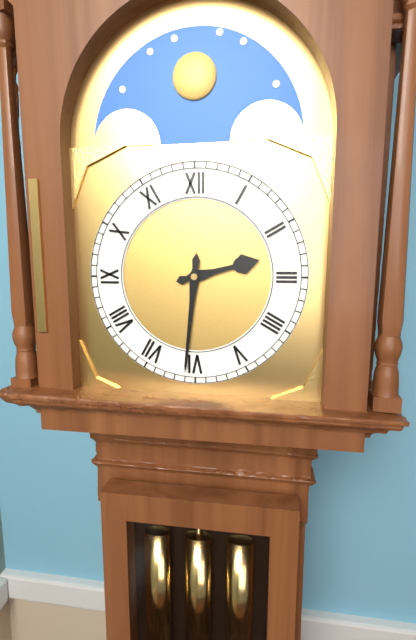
2:31
